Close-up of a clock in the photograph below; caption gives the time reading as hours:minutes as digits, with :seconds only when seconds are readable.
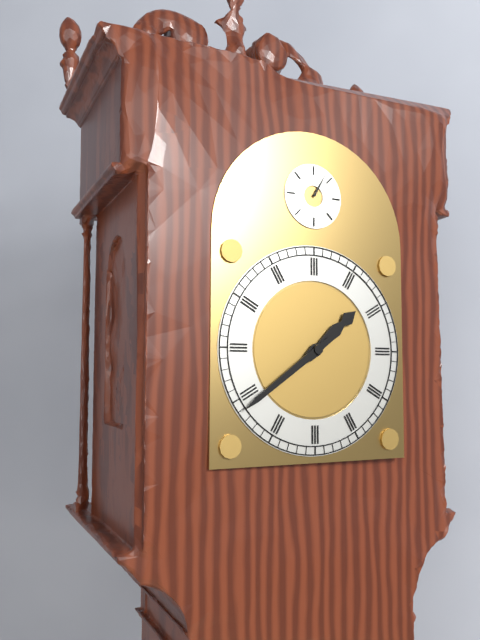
1:39
